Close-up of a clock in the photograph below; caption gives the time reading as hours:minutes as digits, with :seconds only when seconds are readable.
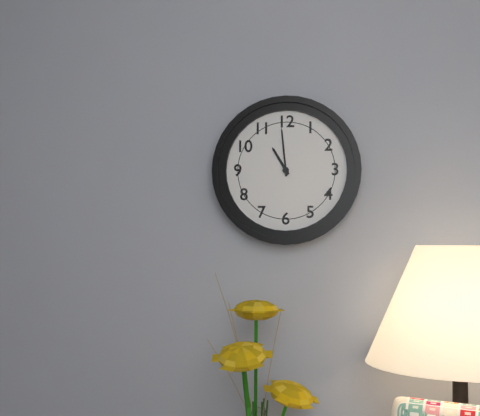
10:59
